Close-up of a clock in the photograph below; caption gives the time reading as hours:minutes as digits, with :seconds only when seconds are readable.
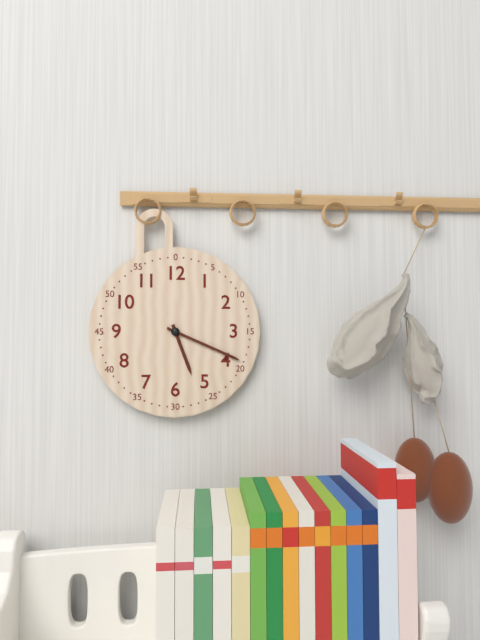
5:19
